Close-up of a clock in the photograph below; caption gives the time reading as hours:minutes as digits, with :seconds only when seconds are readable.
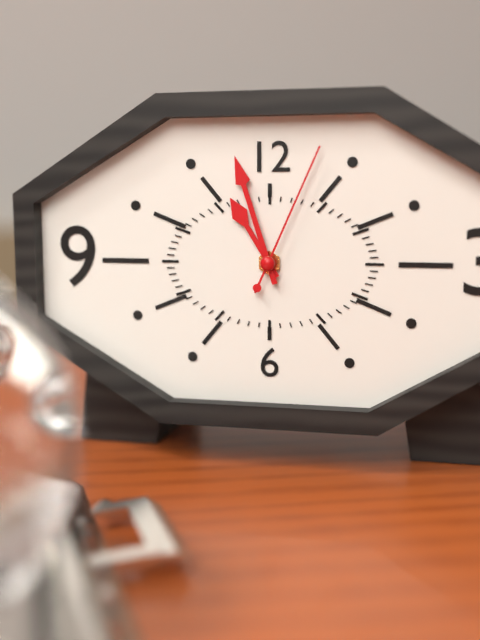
10:57:04
